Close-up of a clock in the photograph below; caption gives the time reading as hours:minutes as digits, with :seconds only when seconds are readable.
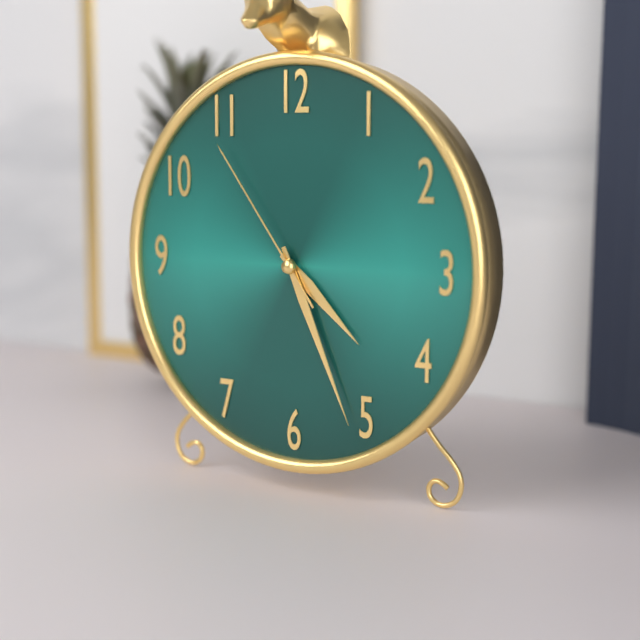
4:26:54
